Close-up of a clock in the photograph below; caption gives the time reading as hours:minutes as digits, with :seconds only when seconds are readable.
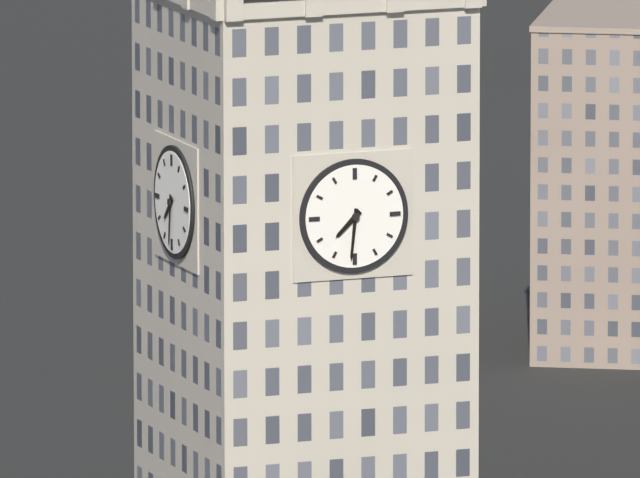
7:31
